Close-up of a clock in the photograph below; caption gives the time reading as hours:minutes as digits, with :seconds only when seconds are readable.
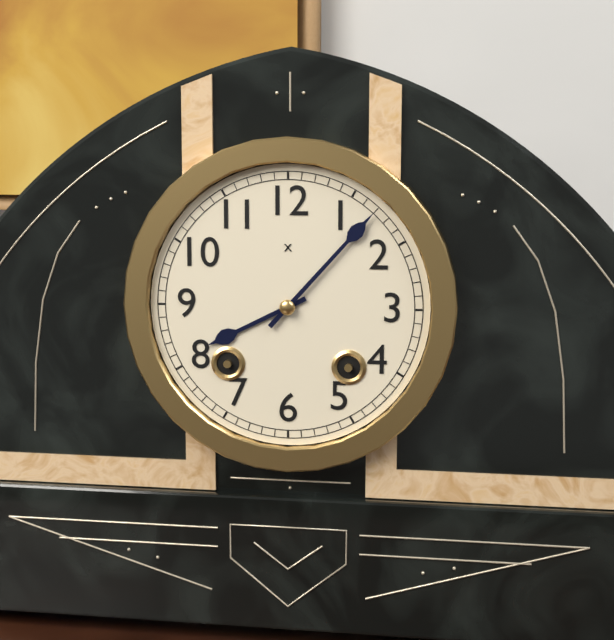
8:07
